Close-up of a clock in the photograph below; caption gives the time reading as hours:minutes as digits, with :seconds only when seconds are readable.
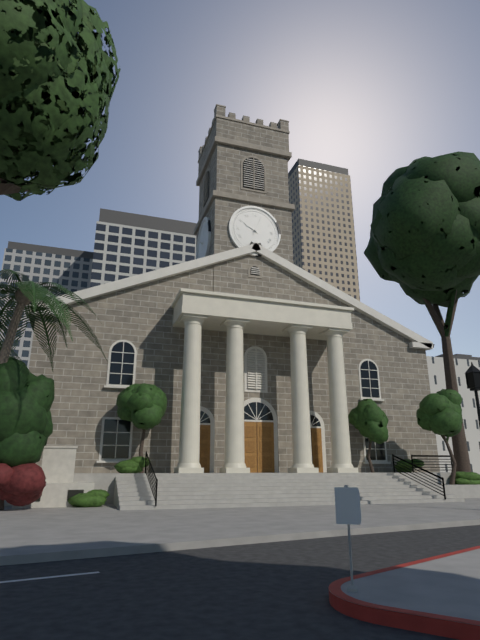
10:04
